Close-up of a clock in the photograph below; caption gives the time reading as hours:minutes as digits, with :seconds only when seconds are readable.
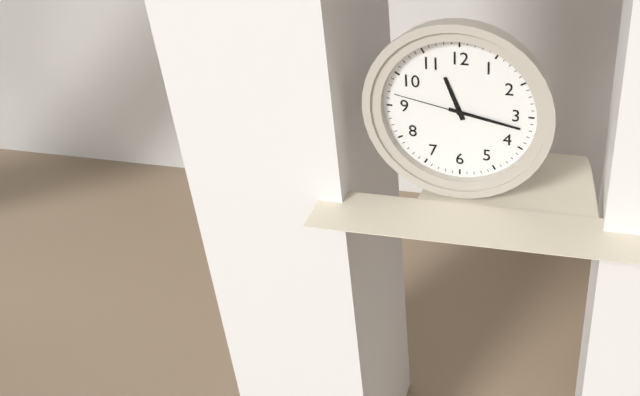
11:17:47
